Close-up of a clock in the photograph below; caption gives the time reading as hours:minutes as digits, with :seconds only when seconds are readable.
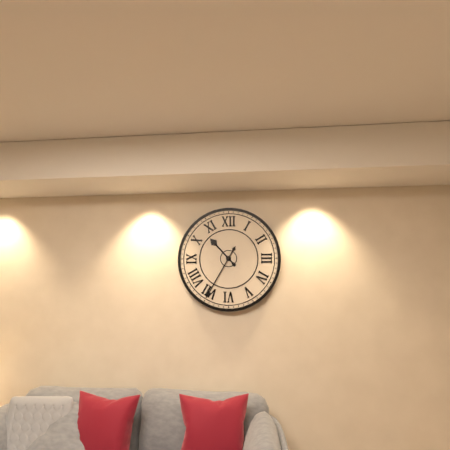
10:35
